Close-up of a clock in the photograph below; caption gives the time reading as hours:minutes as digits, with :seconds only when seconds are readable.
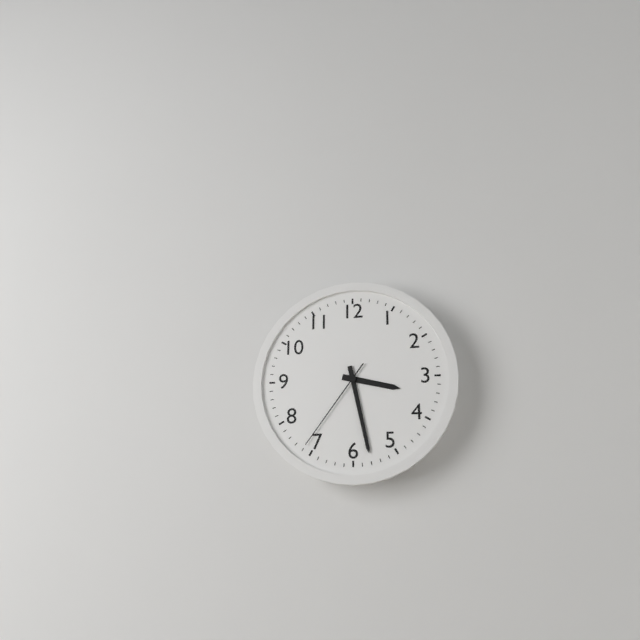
3:28:36
